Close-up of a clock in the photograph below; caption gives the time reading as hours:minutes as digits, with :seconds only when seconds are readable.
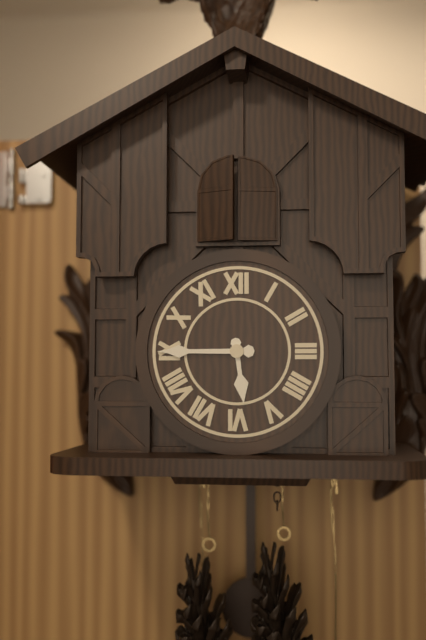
5:45
